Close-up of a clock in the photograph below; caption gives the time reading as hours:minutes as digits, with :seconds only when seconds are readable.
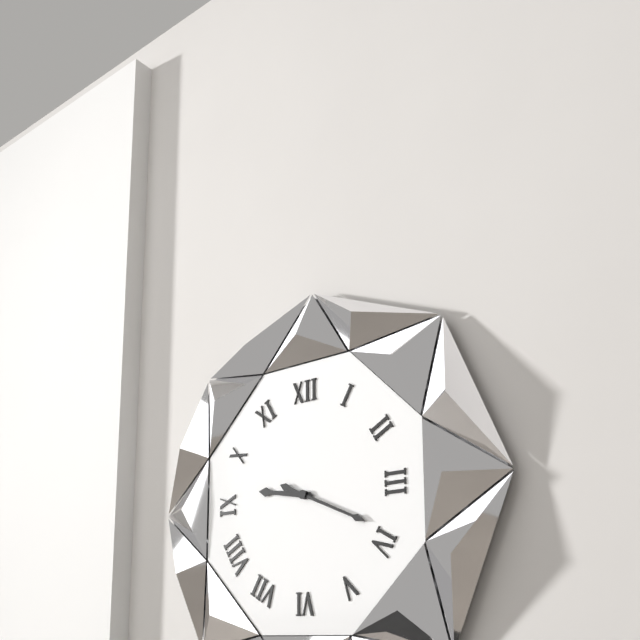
9:19
